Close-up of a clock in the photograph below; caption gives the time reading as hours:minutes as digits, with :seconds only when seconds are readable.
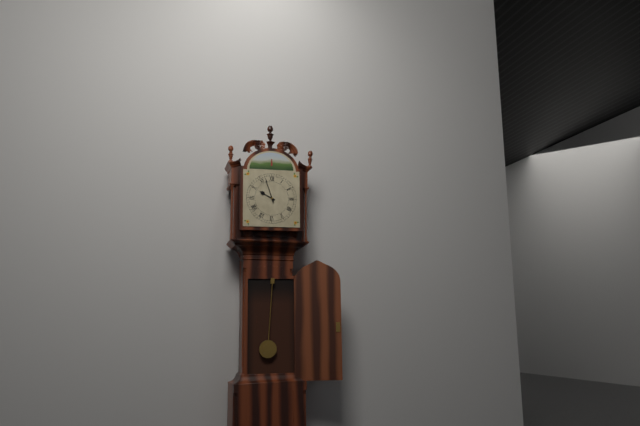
9:57
